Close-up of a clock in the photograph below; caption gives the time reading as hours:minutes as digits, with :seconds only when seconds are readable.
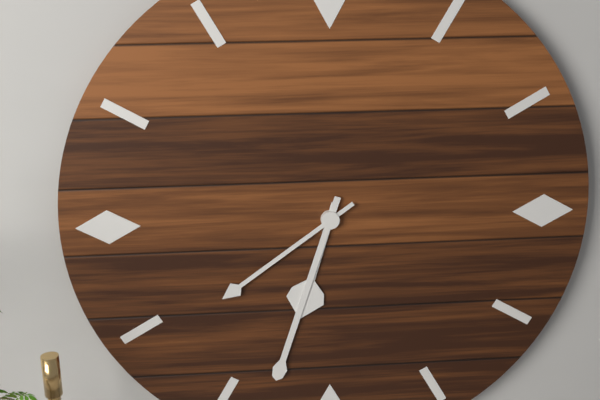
6:33:39
